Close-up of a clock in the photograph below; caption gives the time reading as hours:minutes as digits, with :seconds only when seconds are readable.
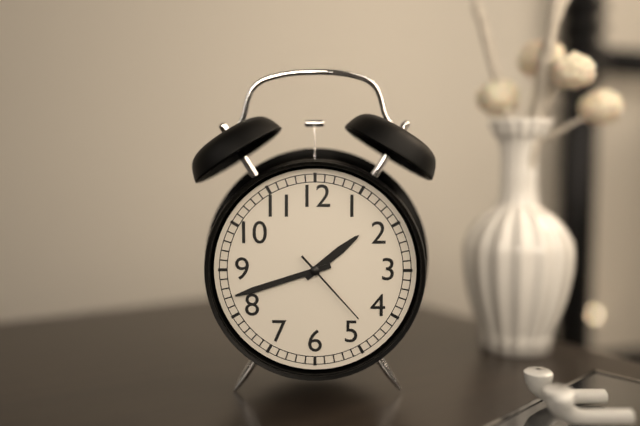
1:42:23
